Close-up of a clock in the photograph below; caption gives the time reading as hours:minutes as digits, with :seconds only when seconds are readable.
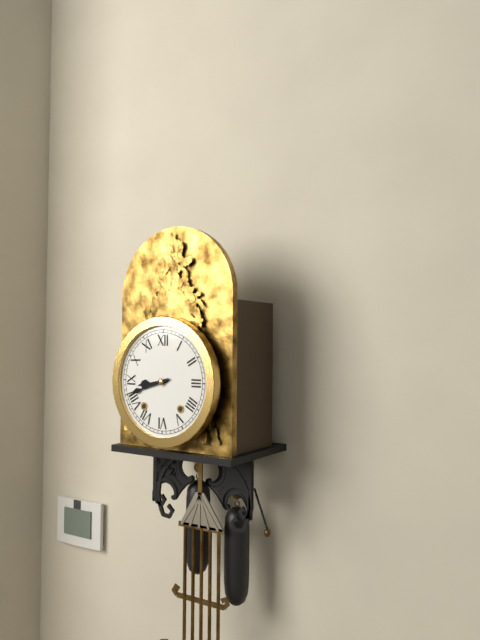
8:42
